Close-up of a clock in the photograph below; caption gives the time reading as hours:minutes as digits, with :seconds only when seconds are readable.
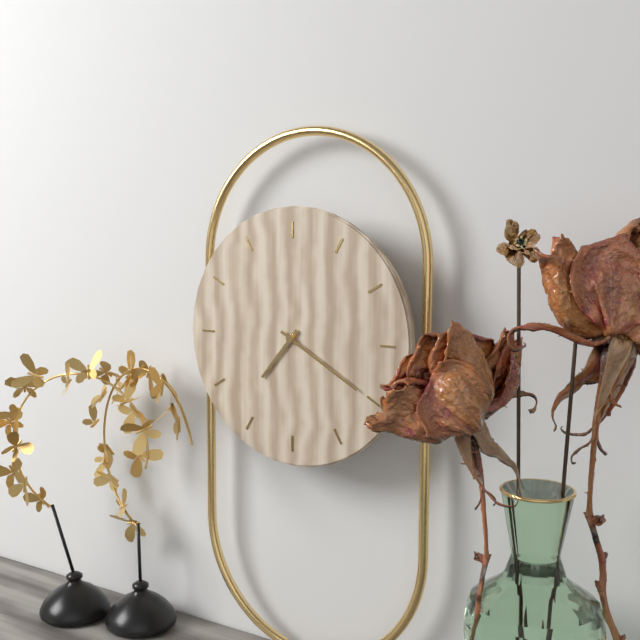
7:20
